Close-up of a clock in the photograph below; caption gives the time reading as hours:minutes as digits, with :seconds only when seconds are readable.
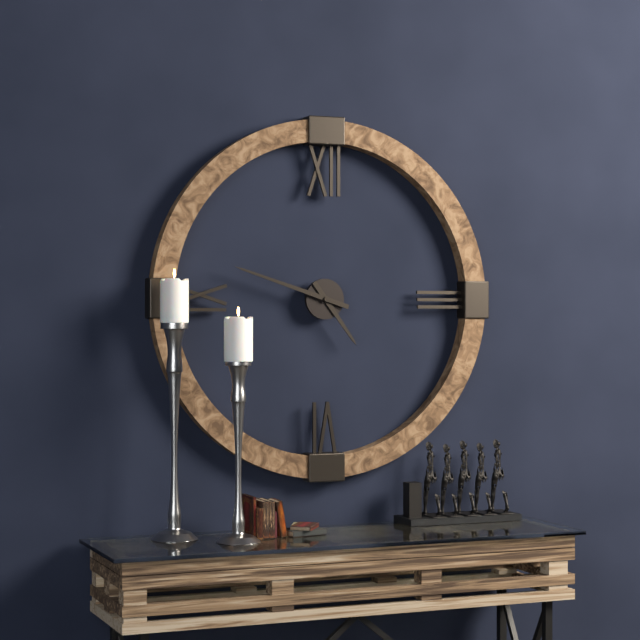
4:48
